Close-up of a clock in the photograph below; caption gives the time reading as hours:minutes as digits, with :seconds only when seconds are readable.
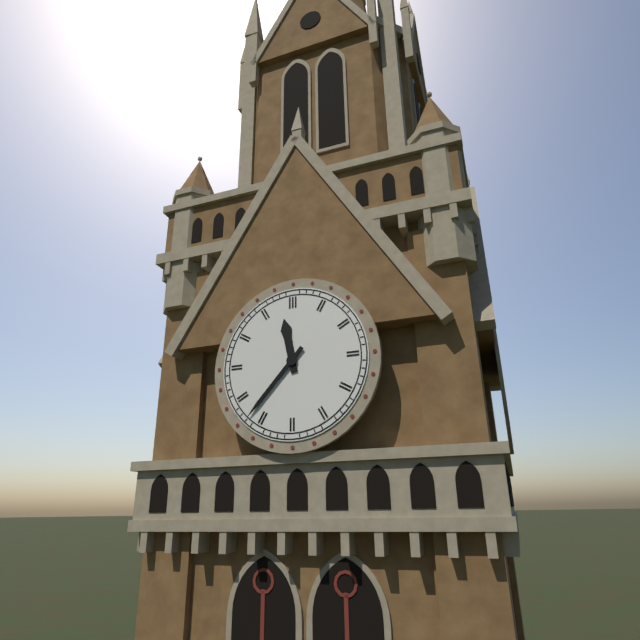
11:37
